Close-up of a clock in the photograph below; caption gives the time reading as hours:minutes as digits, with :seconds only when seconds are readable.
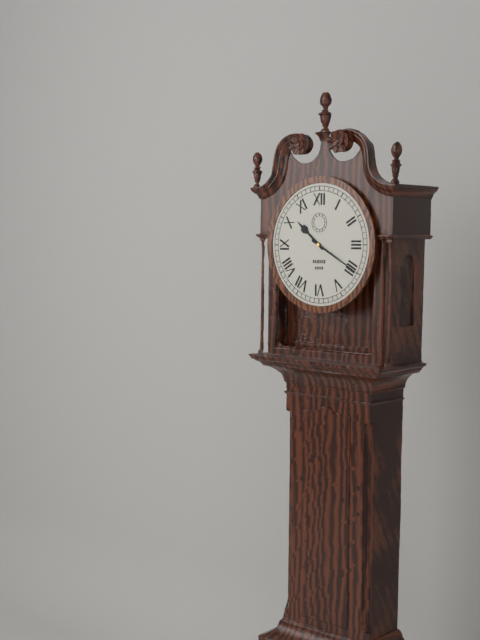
10:20
